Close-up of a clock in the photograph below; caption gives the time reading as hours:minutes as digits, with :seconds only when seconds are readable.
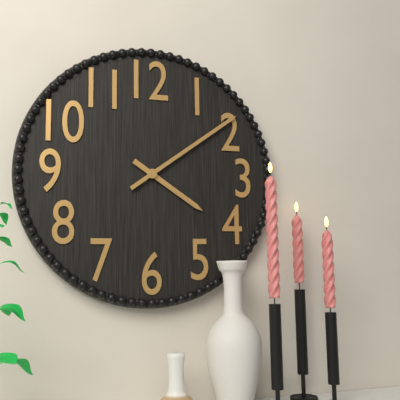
4:09
